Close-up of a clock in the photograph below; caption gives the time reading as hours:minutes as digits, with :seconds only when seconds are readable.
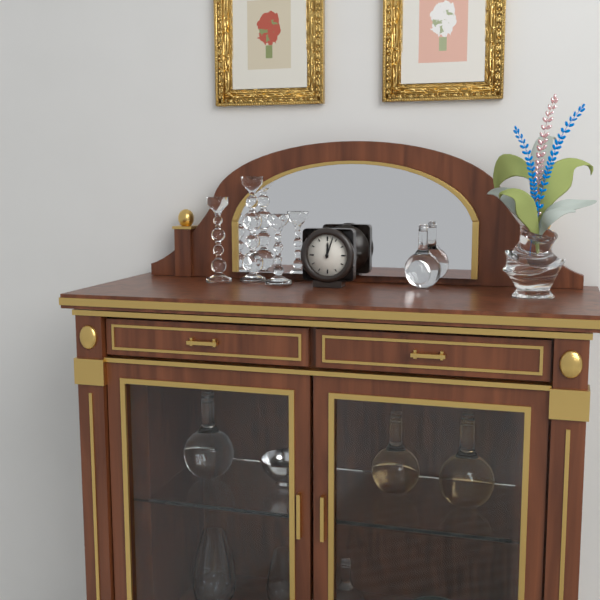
12:03
